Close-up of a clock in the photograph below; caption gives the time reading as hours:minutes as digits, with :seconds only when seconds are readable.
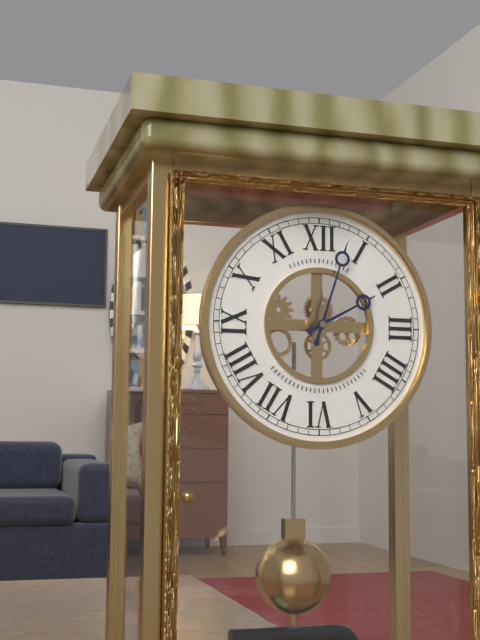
2:03
